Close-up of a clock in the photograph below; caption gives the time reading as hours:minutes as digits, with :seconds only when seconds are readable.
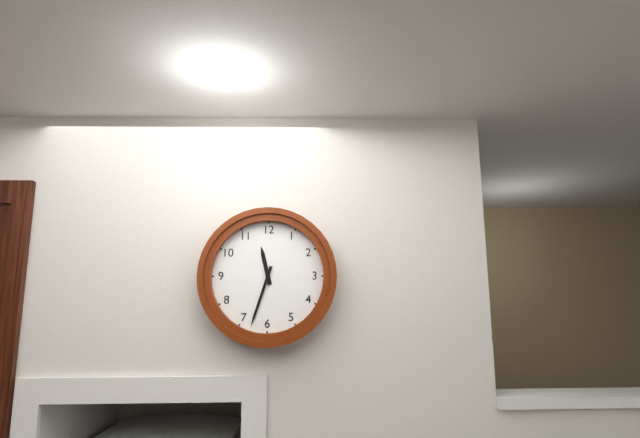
11:33
